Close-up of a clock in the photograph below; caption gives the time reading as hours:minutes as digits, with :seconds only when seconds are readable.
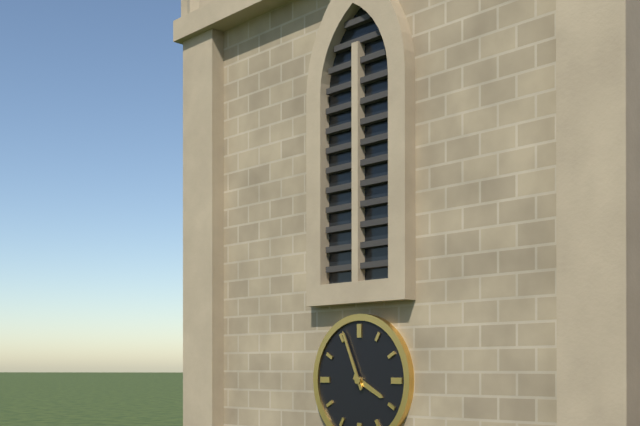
3:56
